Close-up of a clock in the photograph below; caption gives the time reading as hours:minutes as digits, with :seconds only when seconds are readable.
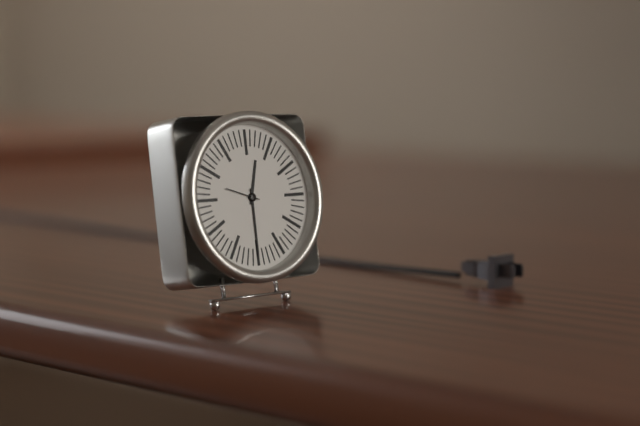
12:30
